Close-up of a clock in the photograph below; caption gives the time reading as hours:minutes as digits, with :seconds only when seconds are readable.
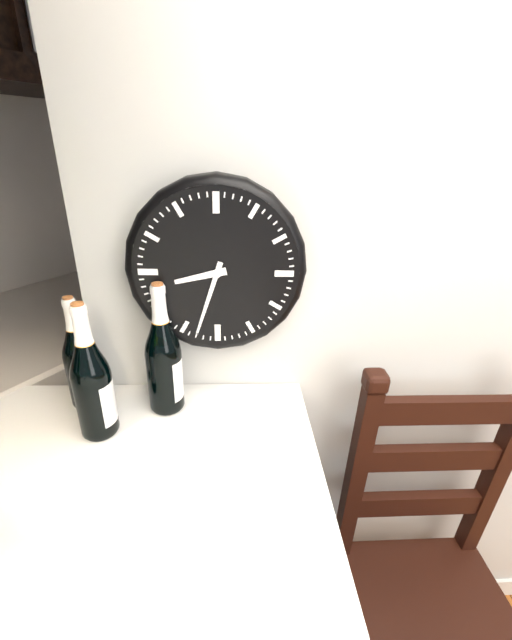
8:33
